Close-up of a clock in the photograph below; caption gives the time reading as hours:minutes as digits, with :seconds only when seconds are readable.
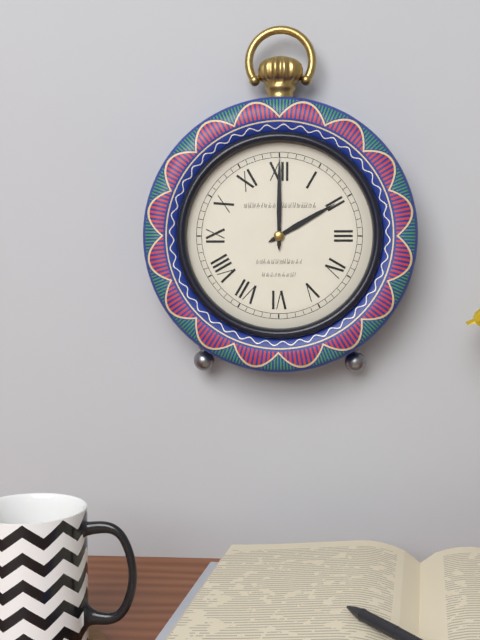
2:00
